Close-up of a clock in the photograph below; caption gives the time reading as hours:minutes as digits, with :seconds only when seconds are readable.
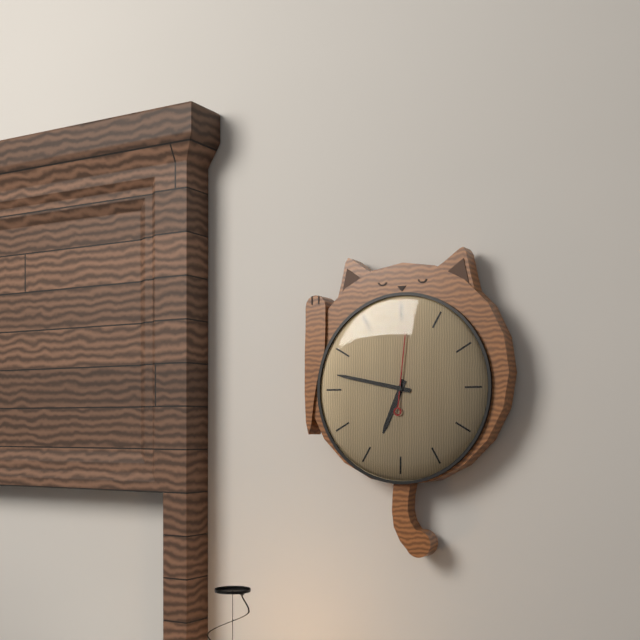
6:47:01
